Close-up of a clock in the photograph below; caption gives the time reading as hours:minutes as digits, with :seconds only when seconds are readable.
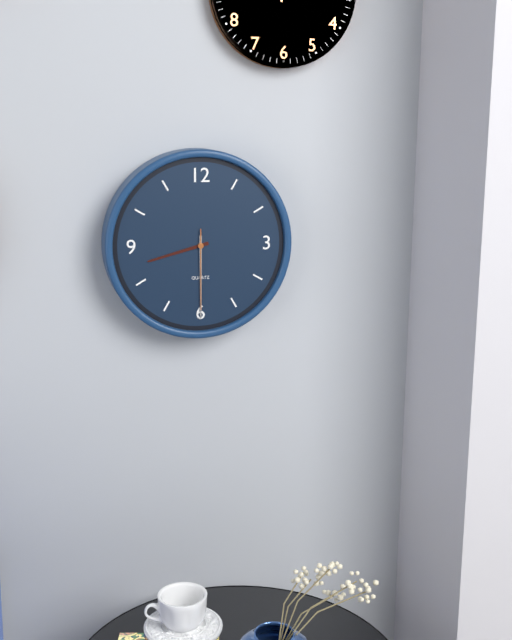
8:30:30
